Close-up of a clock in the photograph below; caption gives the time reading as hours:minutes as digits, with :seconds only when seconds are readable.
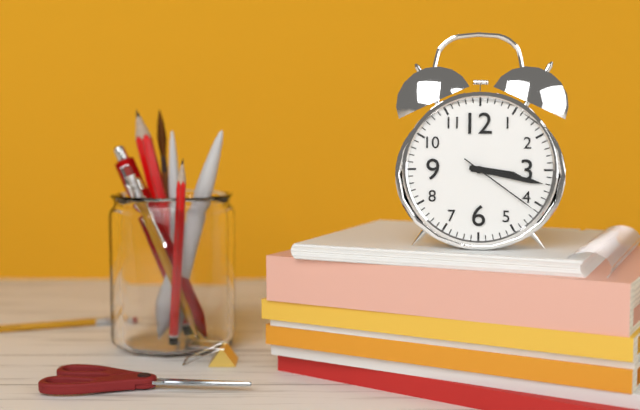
3:17:21
